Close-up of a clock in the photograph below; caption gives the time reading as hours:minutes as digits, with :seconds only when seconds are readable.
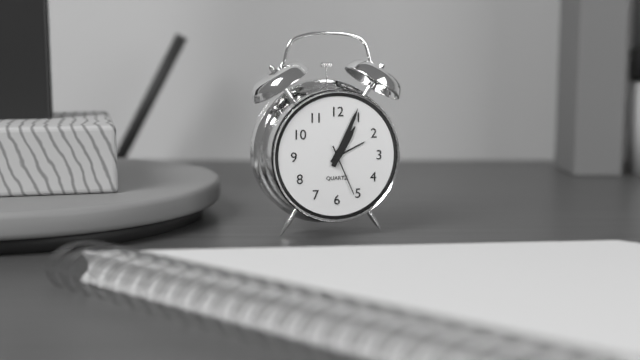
1:04:26
